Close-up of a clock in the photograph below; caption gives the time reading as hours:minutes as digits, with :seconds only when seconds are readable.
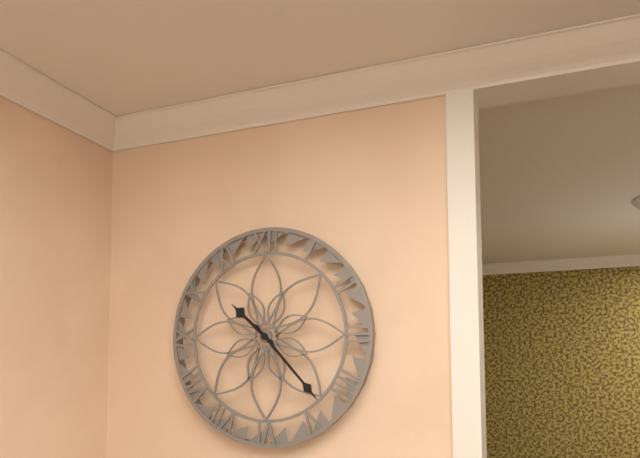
10:23
